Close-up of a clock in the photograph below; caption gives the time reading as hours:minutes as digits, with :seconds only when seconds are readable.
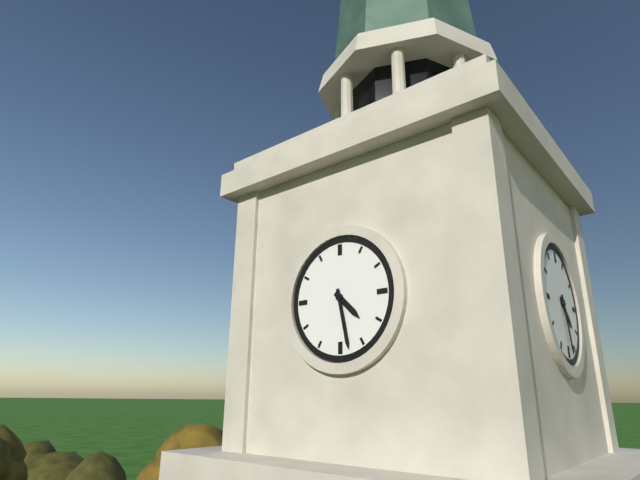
4:28
